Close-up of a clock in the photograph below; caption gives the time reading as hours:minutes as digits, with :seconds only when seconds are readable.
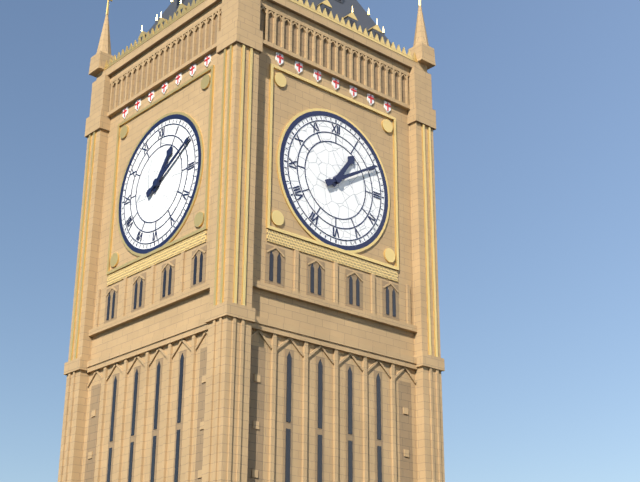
1:10
